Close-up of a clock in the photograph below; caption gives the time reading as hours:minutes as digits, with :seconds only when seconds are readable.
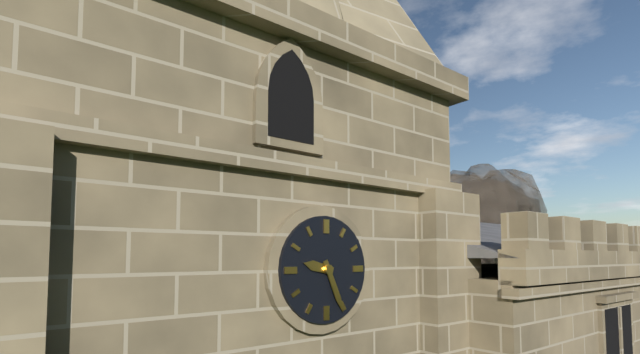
9:26
